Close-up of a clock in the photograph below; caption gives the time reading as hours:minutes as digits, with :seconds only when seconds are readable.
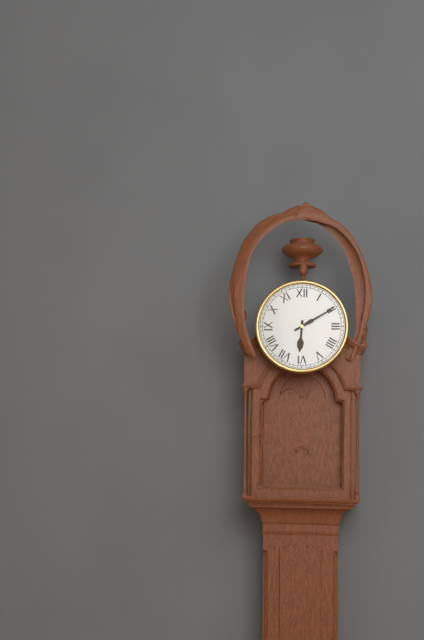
6:10
